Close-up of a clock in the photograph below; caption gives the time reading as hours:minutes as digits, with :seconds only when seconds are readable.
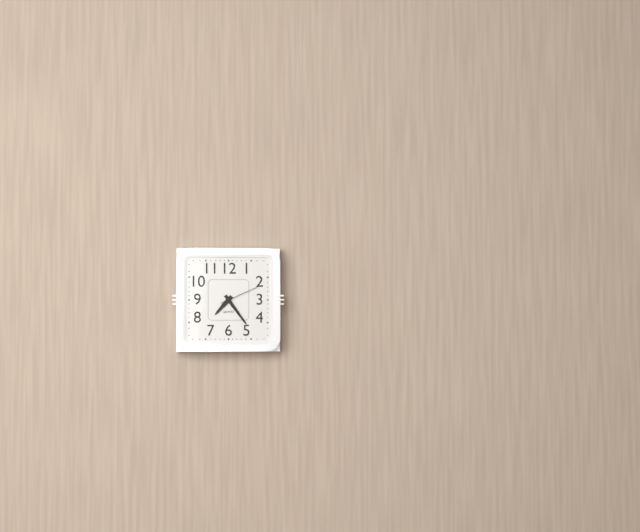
7:24
